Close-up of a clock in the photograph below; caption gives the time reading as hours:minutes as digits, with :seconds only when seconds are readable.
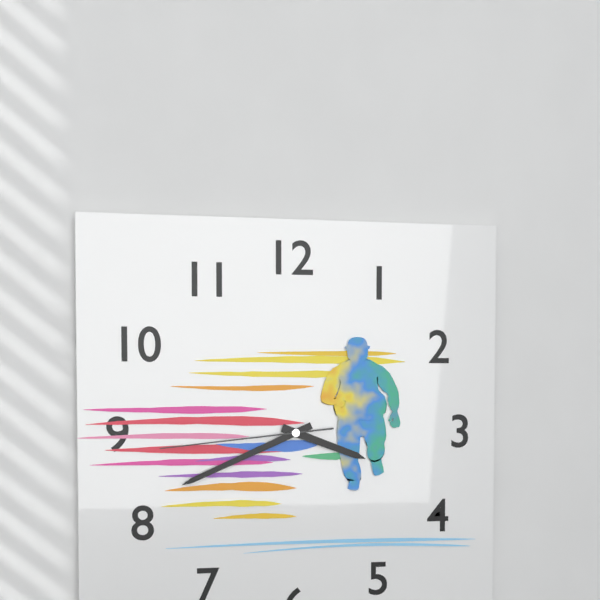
3:41:44
